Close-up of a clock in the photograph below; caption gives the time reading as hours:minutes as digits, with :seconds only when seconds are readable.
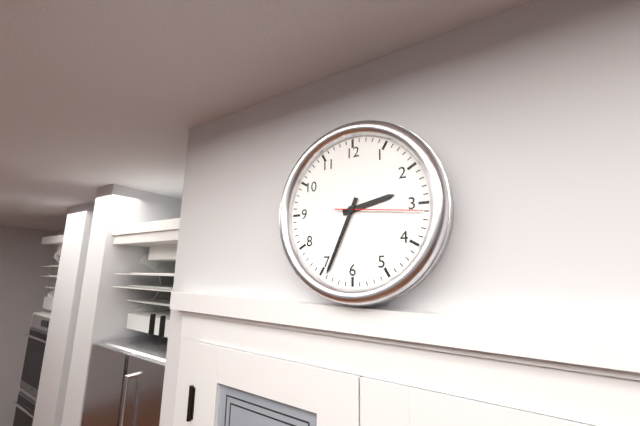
2:34:16
